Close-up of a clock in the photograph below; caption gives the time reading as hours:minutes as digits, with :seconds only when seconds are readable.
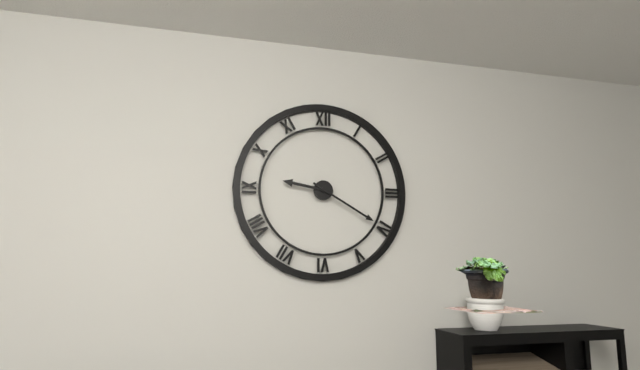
9:20
